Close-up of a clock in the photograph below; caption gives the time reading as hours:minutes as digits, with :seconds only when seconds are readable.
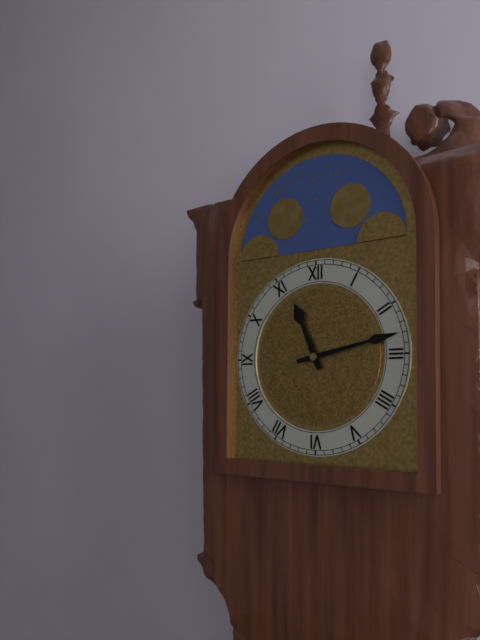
11:13
